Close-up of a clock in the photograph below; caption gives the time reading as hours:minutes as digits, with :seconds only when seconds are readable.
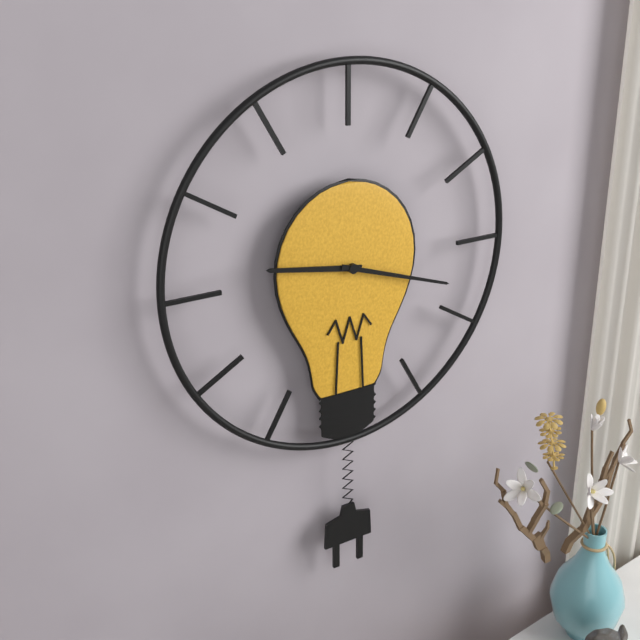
9:18
